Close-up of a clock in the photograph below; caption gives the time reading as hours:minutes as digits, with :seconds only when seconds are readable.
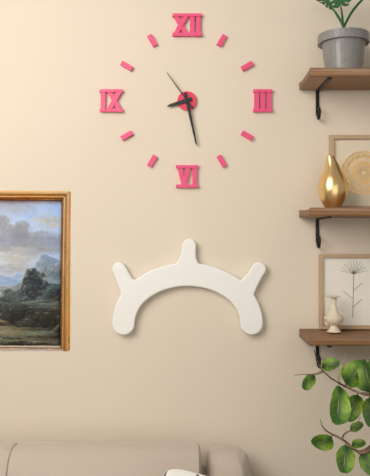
8:28
